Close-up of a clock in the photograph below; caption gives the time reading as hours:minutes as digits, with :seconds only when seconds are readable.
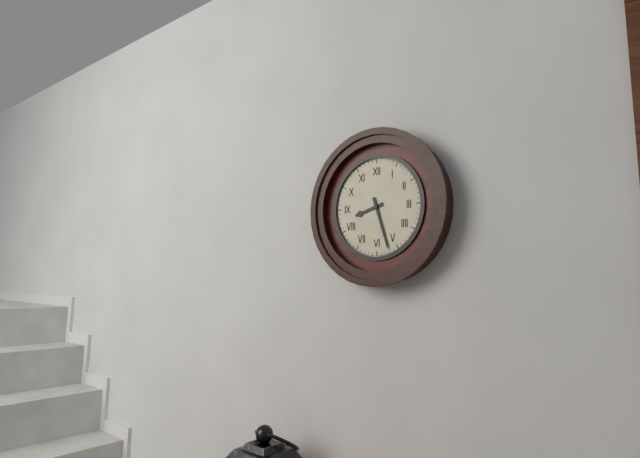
8:27
